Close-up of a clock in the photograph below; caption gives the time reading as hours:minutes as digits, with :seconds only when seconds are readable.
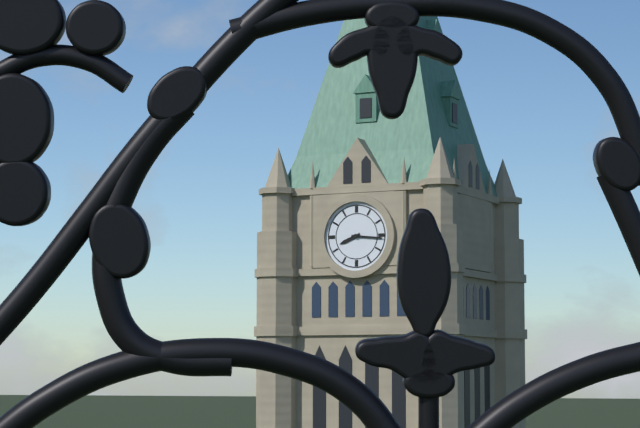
8:16
